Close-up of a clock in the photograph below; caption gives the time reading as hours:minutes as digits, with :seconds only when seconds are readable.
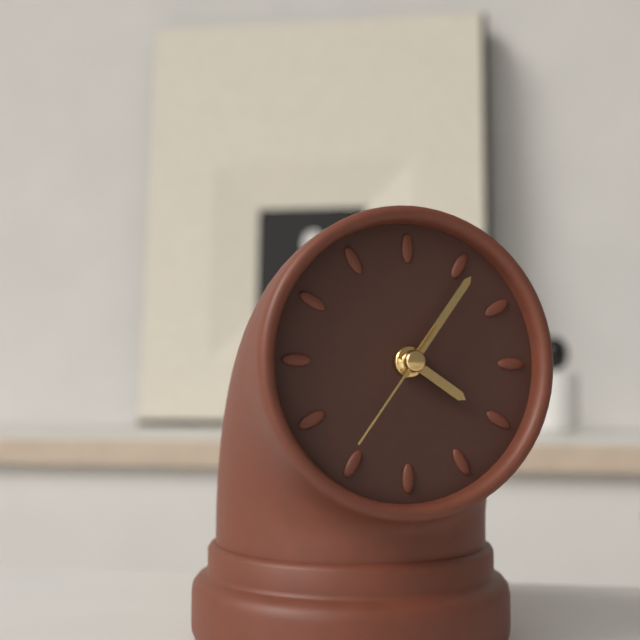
4:06:36
